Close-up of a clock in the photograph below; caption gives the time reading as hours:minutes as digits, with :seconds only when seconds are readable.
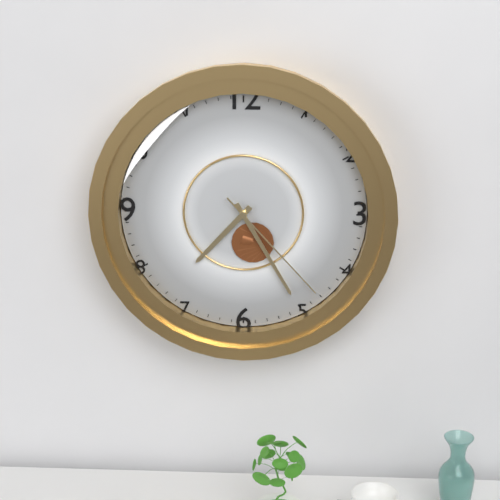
7:25:23
